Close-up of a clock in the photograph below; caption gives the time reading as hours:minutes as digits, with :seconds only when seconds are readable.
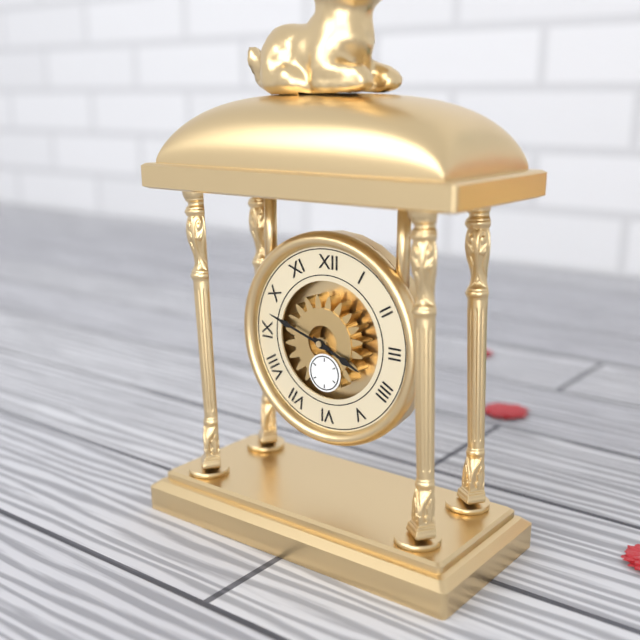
3:48
